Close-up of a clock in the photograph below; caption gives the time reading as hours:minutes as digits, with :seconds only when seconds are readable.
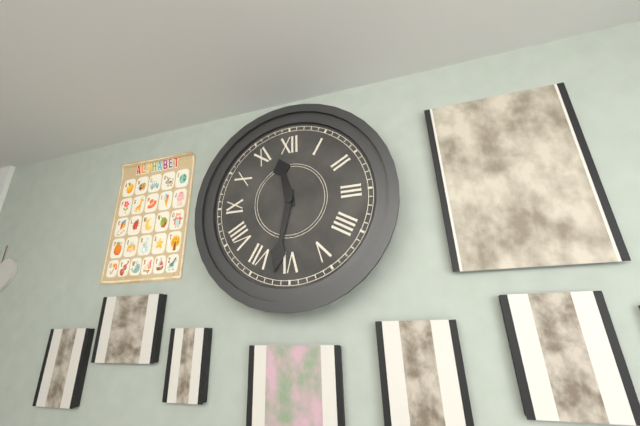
11:32
